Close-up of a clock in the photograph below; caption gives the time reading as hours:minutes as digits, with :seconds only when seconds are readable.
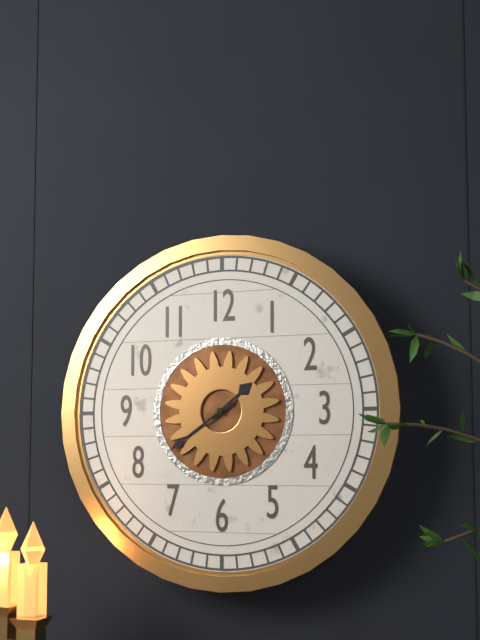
1:39
